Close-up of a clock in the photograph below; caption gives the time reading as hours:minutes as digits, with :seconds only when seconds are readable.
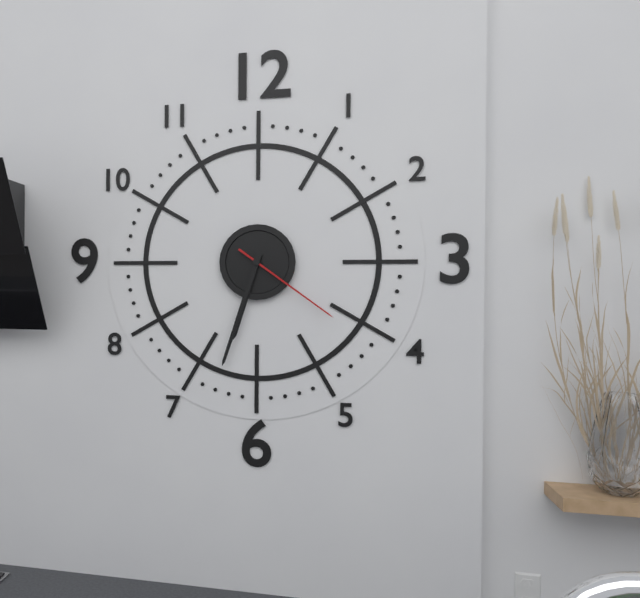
6:33:21
